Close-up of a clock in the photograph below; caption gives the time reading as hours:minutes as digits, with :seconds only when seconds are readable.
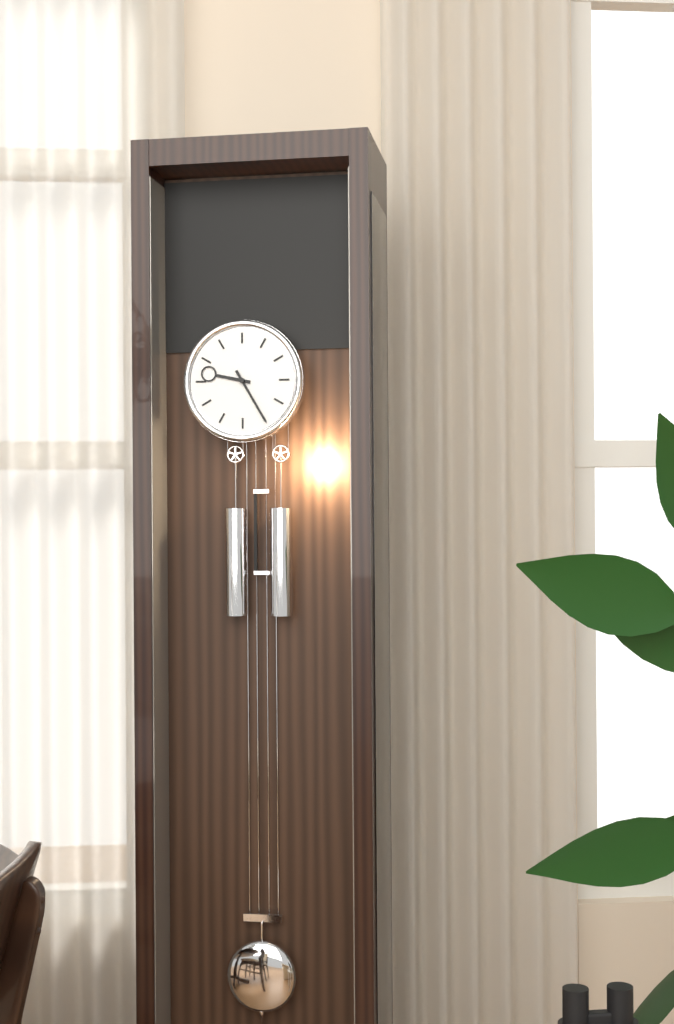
9:25
